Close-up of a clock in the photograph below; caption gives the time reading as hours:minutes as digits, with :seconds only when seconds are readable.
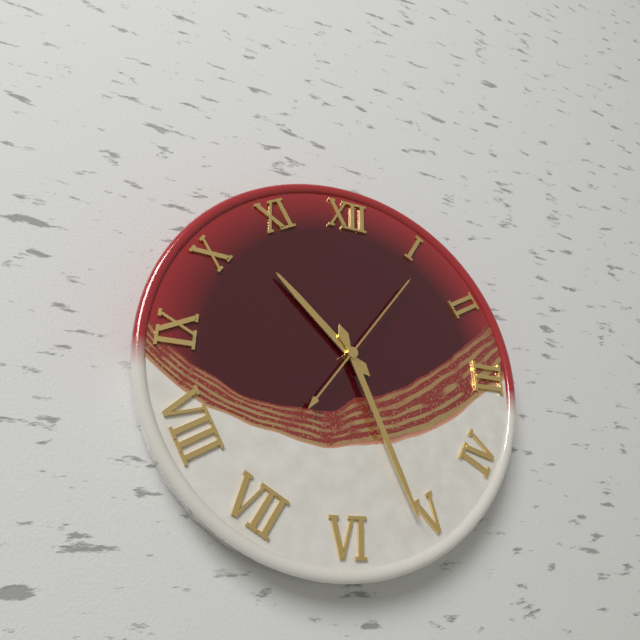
10:26:06
